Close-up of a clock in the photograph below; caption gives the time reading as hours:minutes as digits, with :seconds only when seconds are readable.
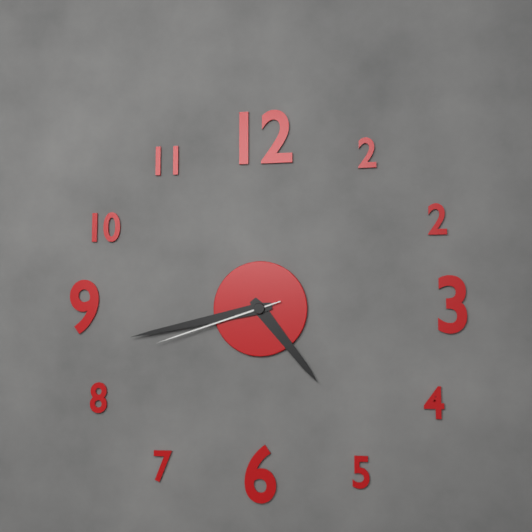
4:43:42
